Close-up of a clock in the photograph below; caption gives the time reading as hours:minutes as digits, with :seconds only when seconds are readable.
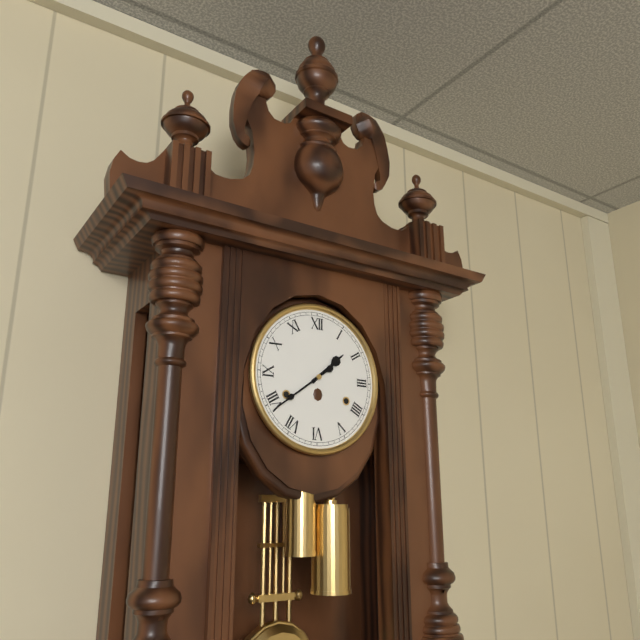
1:39
